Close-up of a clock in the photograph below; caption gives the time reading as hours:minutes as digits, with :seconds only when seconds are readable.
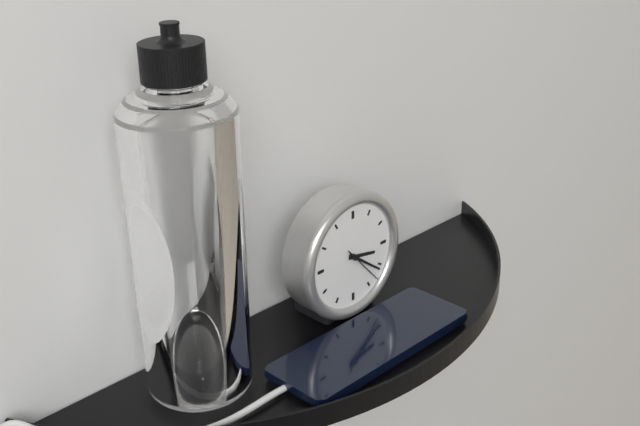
3:21
